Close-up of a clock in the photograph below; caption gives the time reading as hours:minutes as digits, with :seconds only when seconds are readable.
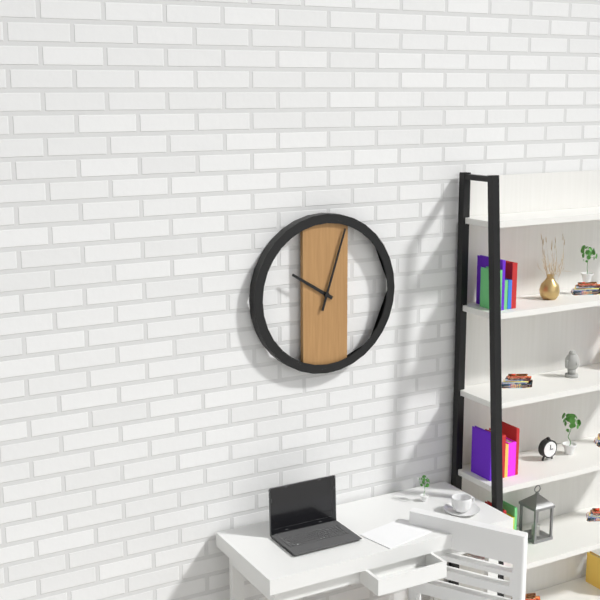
10:03
